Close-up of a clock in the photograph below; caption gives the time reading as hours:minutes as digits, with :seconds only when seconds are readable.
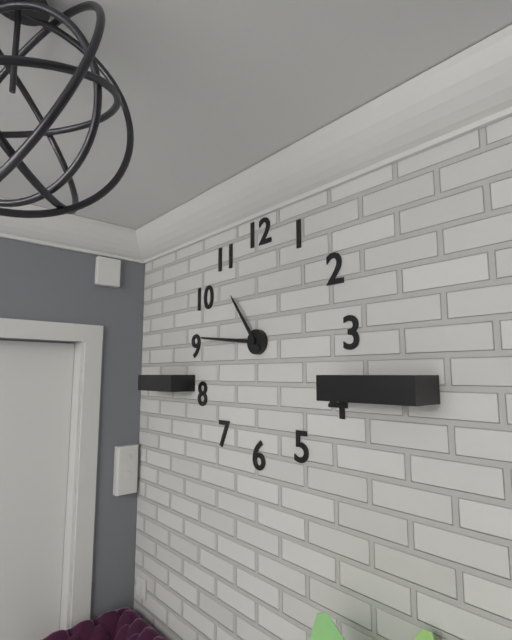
10:46
